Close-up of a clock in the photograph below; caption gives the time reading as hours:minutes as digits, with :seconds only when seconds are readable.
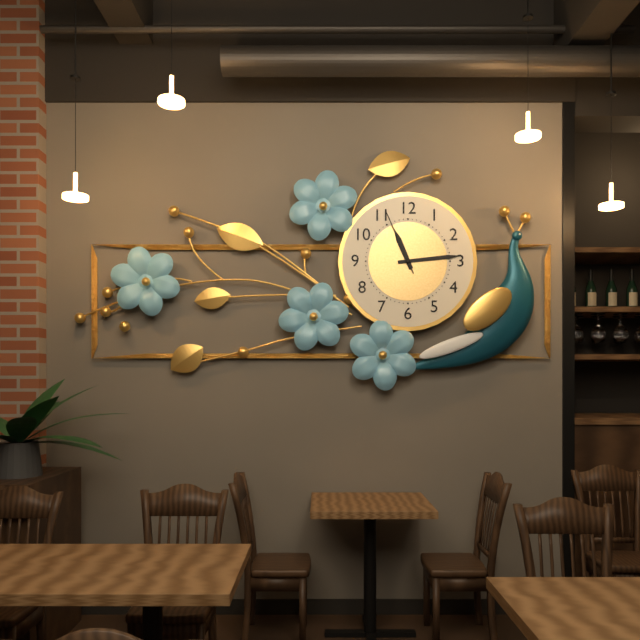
11:14:56
